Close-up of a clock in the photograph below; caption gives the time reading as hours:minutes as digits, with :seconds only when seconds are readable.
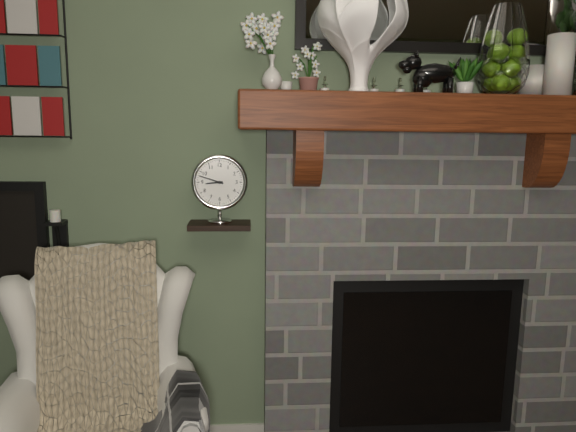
8:48
